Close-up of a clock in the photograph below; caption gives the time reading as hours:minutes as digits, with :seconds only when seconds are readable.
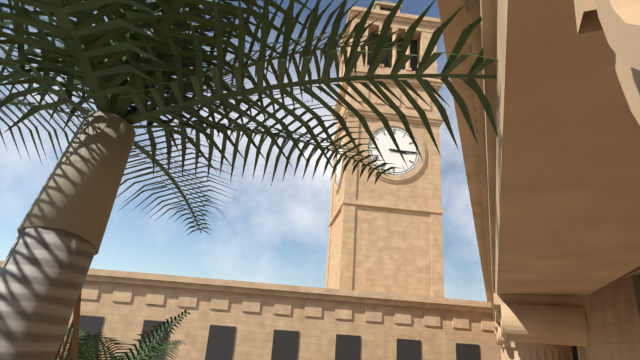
3:15
